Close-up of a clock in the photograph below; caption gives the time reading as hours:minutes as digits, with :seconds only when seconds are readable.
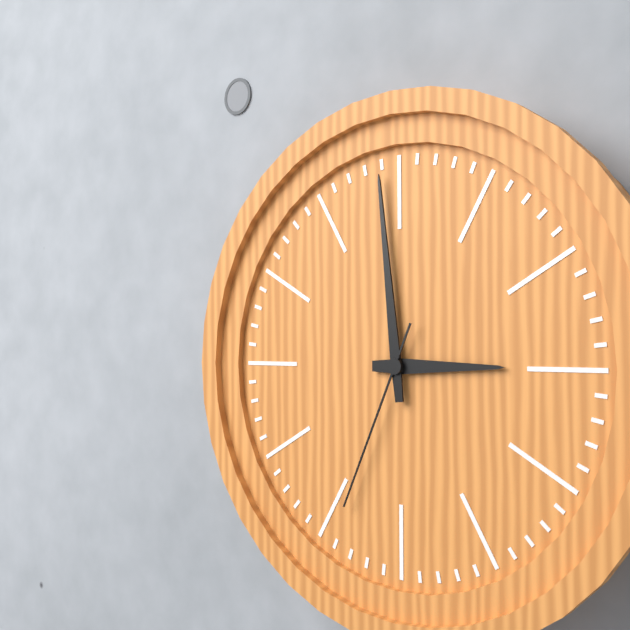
2:59:34
